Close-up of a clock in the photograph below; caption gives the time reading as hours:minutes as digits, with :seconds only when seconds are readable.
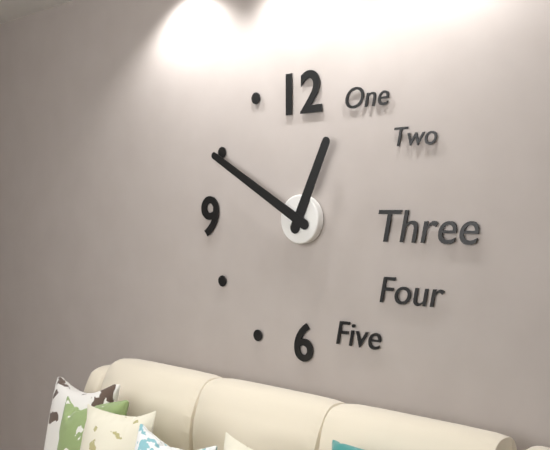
12:50
